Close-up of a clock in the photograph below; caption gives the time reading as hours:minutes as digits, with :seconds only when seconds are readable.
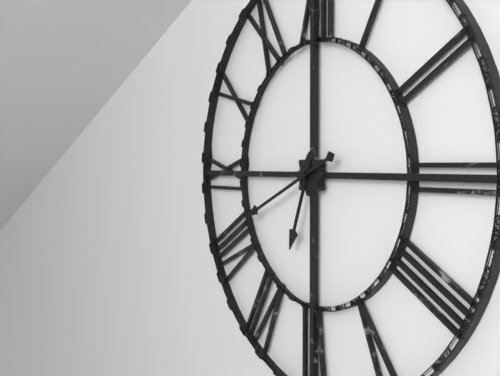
6:41
